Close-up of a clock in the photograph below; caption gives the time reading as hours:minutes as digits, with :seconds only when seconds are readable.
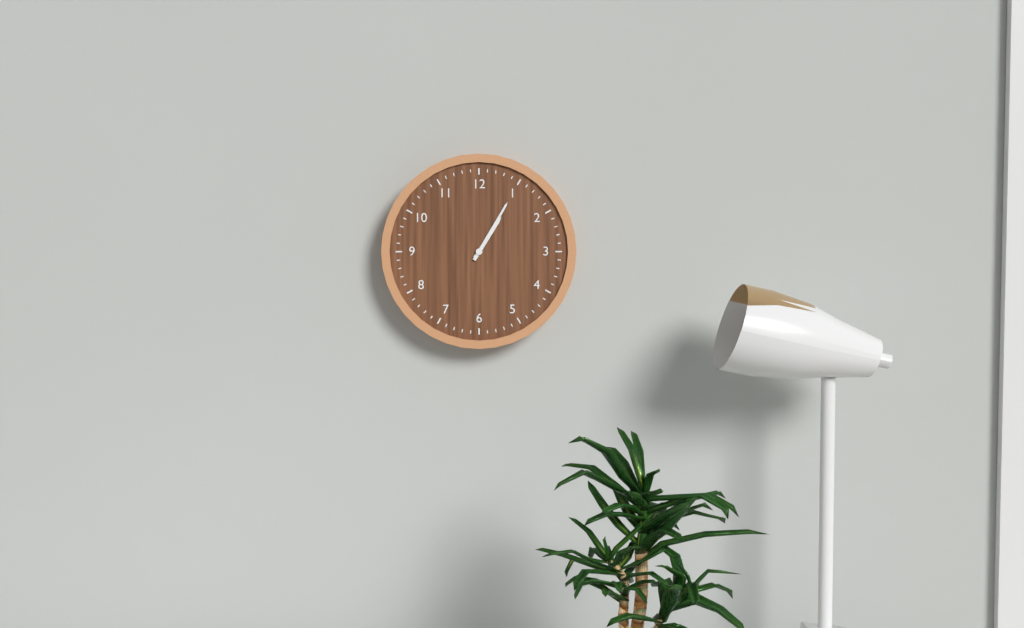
1:05
